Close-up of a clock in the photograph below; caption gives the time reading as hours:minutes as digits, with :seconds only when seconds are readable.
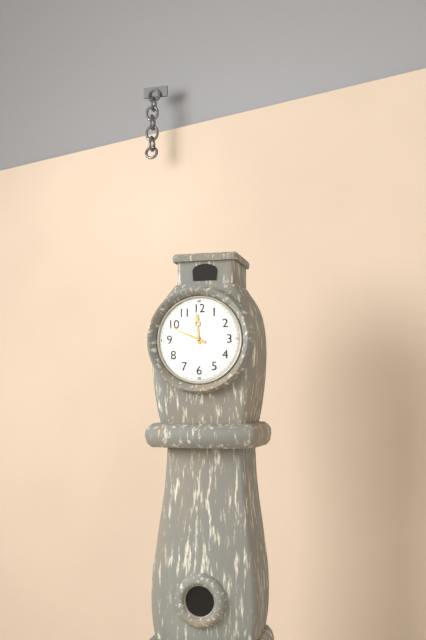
11:49
